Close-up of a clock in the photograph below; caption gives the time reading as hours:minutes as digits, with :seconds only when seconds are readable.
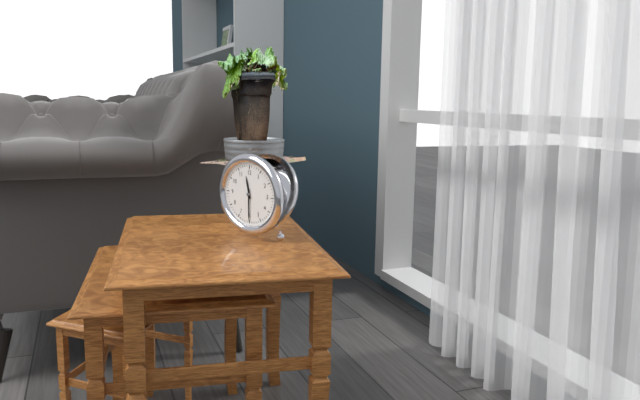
11:30
